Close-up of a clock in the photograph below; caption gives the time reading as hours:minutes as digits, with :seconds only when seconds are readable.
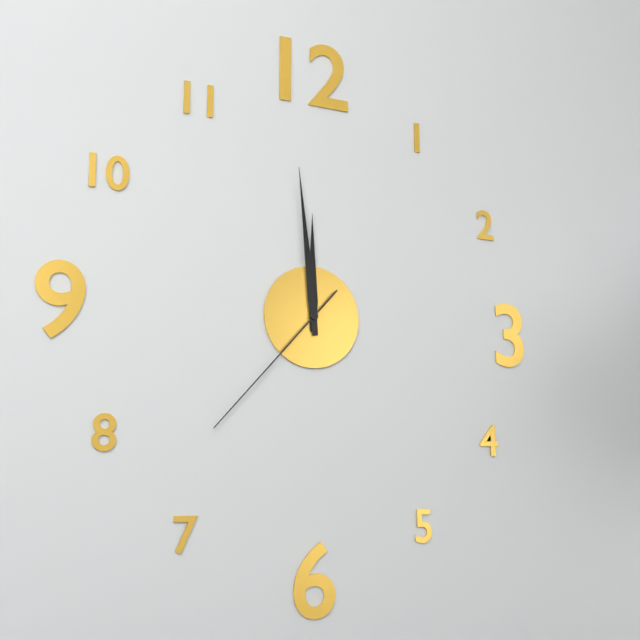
11:59:37
